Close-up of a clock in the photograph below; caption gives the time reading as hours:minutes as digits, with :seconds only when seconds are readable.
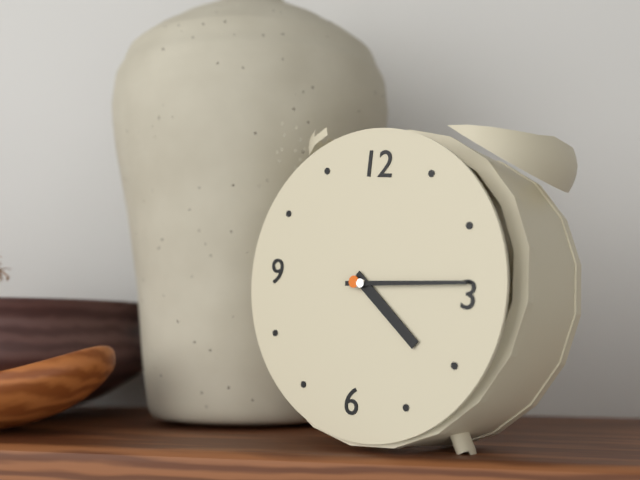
4:14
